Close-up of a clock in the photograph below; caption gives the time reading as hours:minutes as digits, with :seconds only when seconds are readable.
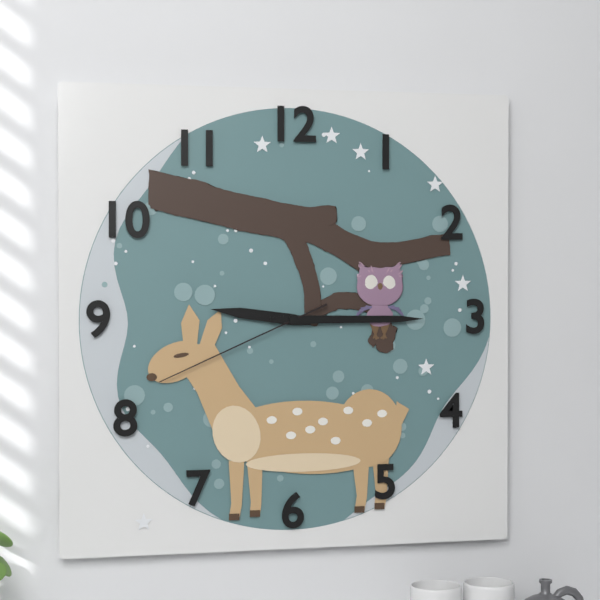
9:15:41
